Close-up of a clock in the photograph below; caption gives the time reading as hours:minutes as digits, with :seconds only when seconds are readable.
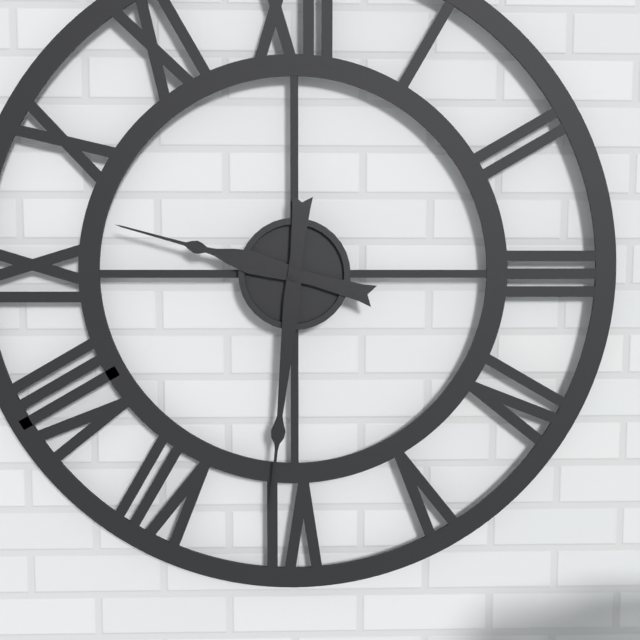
9:31
